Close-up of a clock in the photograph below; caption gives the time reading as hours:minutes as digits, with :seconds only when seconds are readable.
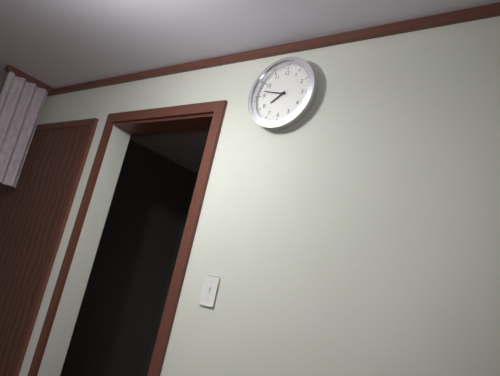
7:47
